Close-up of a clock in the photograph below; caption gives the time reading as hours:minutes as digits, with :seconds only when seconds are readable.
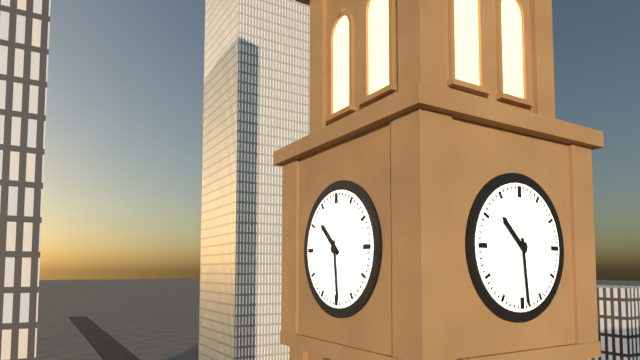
10:29
